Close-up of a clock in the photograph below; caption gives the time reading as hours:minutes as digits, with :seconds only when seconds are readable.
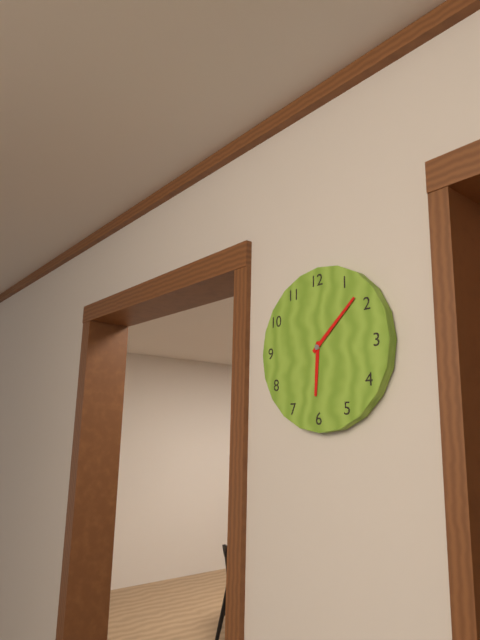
6:08
